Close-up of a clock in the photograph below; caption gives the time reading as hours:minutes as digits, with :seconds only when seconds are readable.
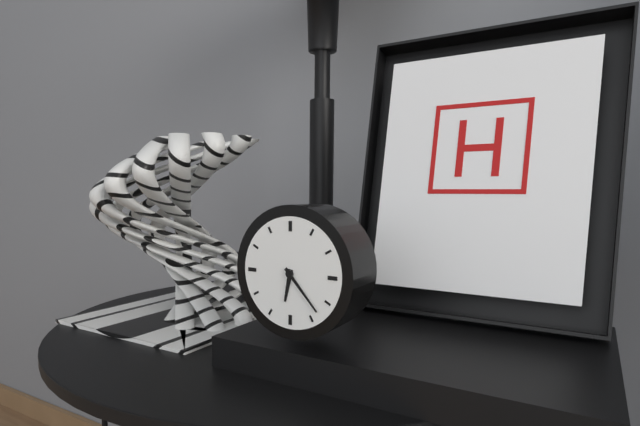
6:23
